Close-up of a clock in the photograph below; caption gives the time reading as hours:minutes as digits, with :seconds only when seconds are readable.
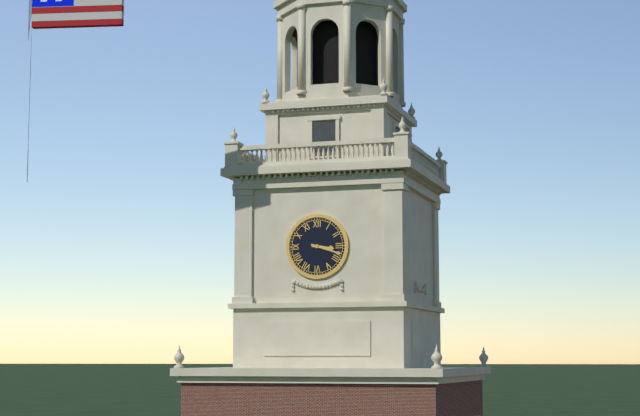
3:18
